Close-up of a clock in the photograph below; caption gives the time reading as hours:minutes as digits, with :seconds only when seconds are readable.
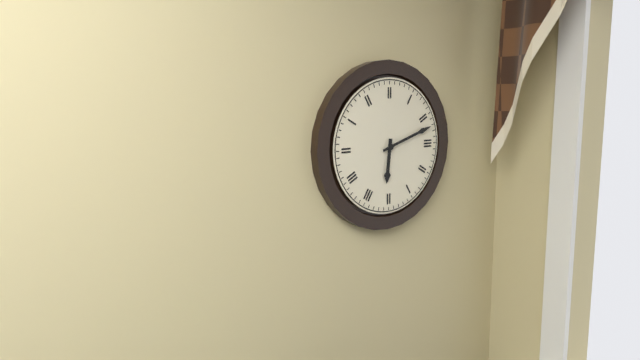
6:12
